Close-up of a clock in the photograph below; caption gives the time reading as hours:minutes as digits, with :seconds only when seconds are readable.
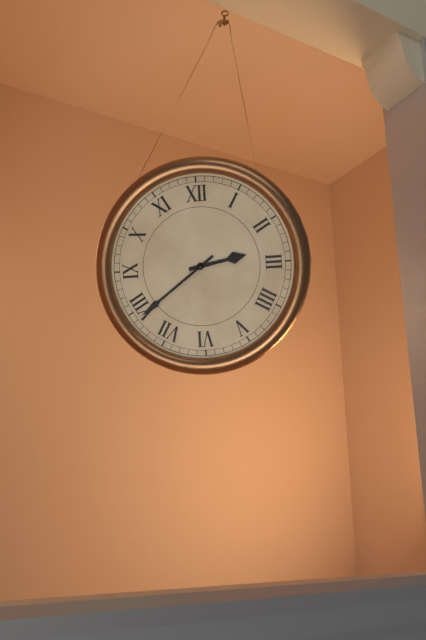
2:39
